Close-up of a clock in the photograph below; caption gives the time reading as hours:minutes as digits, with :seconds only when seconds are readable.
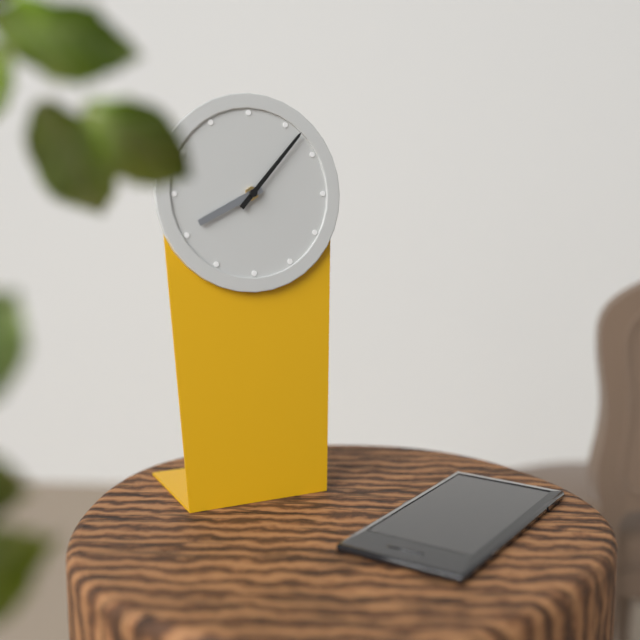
8:07
